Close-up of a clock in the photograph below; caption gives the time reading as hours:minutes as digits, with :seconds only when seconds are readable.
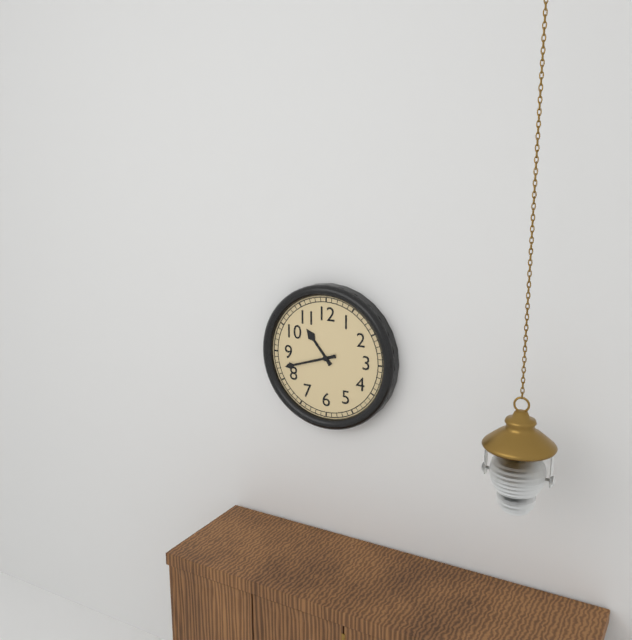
10:42
